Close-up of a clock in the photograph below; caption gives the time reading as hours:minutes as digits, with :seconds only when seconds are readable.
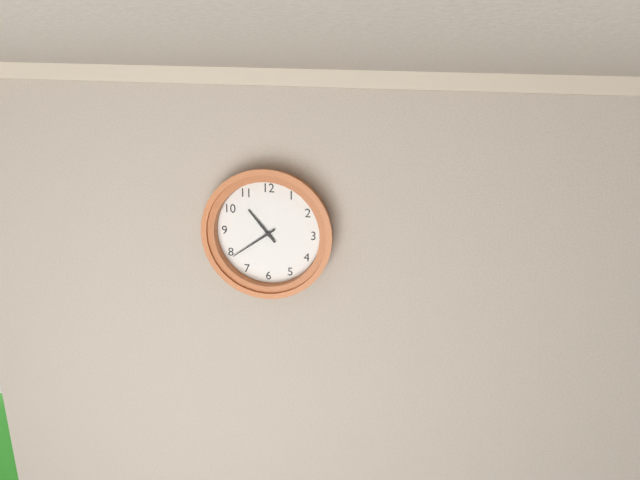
10:39
